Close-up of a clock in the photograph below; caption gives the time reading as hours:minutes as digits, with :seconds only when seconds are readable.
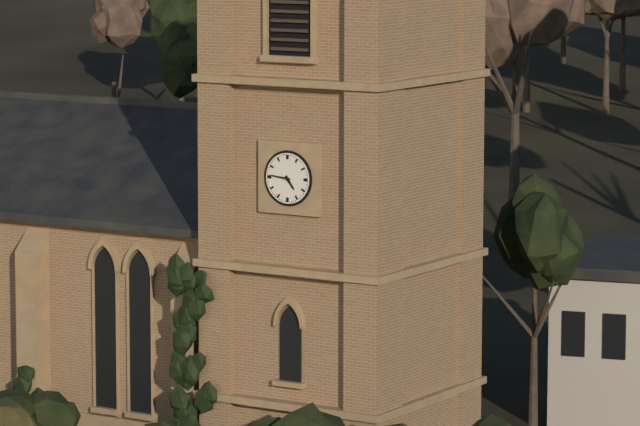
4:46
